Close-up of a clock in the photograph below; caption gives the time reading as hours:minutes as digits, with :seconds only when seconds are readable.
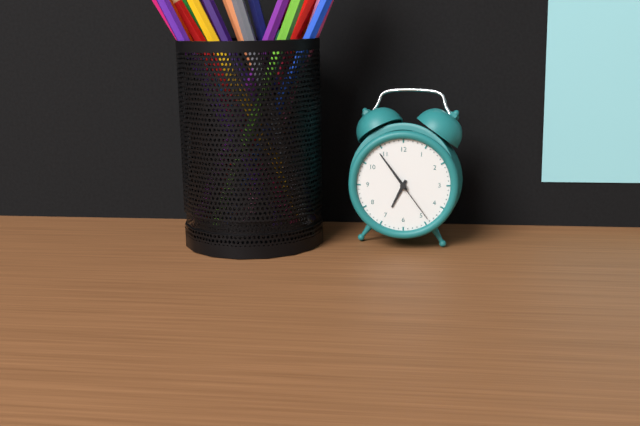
6:54:24
